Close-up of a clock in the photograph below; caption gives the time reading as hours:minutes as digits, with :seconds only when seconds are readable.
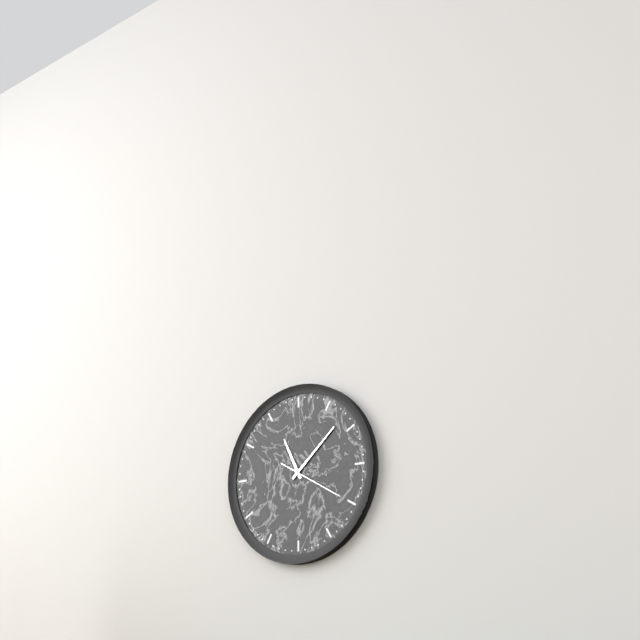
11:08:20
